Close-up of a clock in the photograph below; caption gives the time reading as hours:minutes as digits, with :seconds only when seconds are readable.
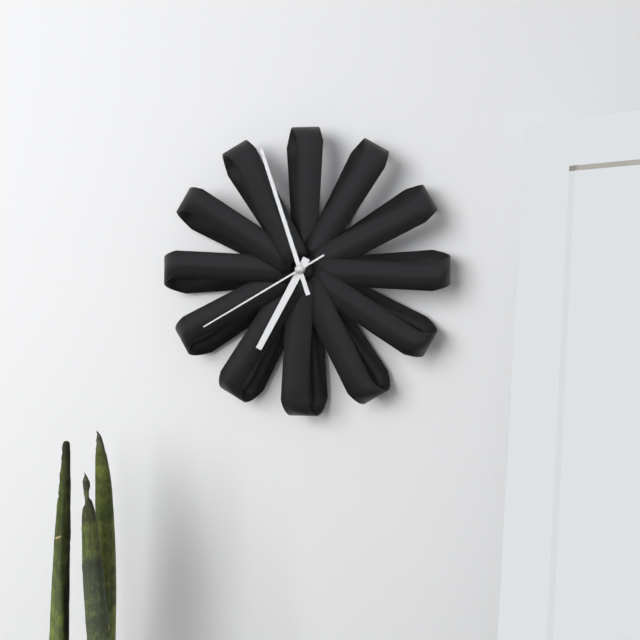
6:57:40
